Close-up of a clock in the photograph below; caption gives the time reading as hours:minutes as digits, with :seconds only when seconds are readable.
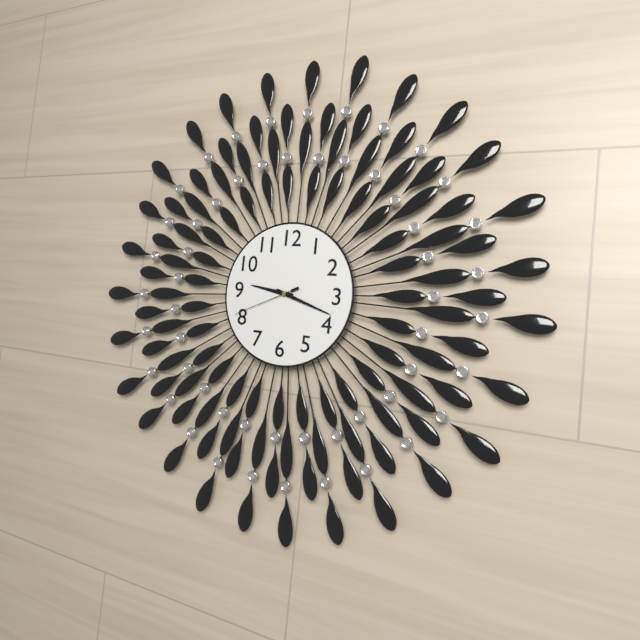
9:18:41
